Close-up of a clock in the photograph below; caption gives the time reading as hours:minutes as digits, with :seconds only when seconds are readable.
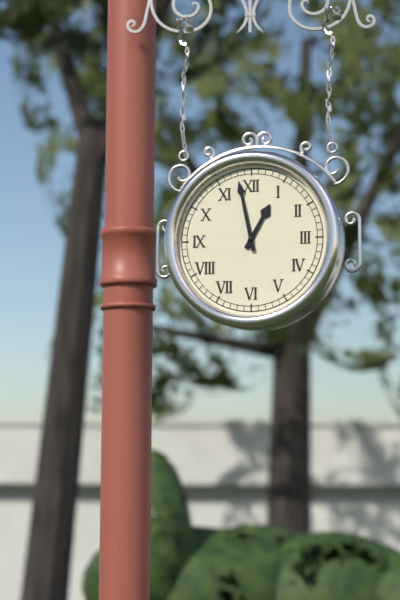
12:58
